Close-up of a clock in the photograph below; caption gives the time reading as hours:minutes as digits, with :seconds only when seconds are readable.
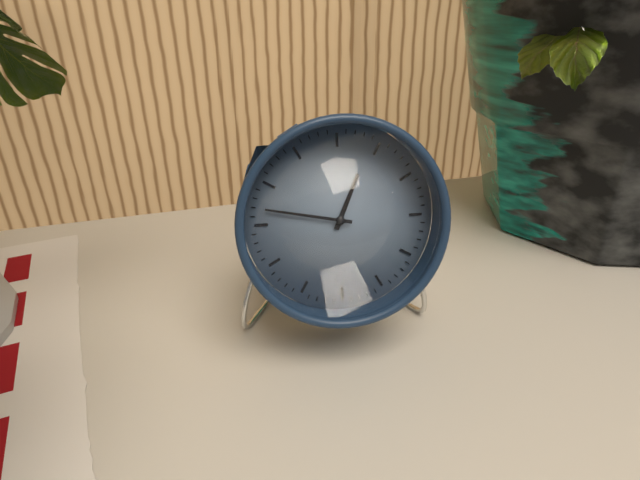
12:47
